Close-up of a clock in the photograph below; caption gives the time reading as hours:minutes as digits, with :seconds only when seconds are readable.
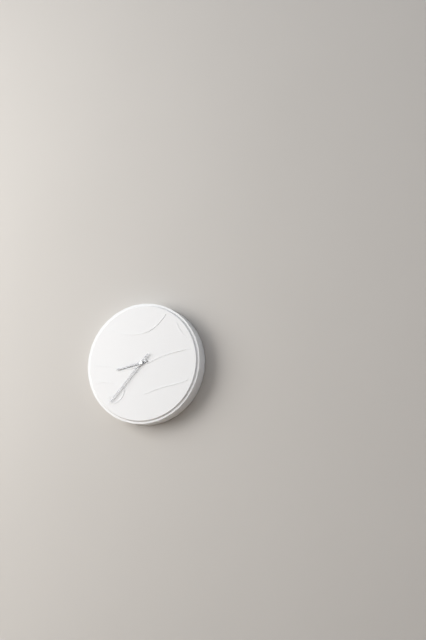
8:37
